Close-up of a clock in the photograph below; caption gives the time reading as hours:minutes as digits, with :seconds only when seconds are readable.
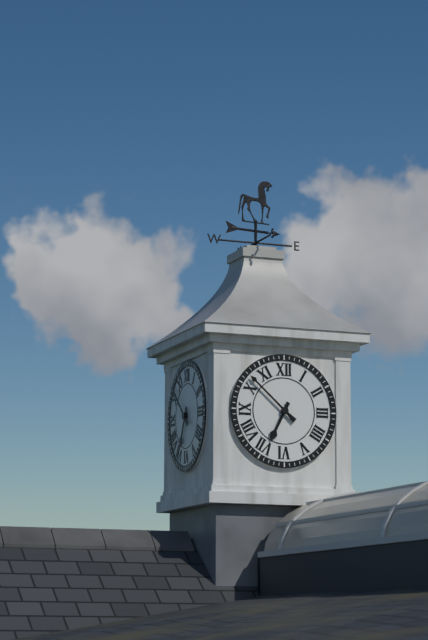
6:52
